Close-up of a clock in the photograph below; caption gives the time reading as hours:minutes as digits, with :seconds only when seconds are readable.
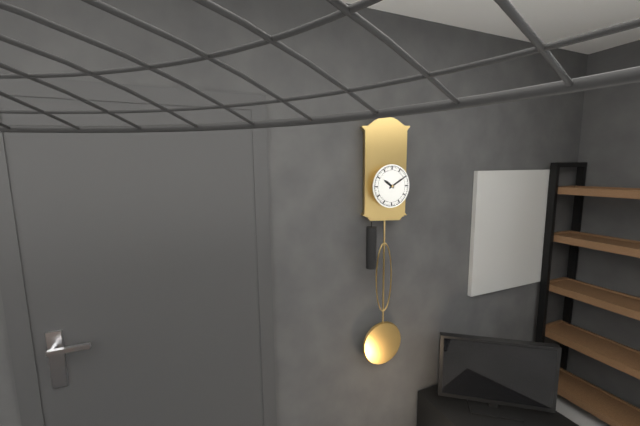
10:10
